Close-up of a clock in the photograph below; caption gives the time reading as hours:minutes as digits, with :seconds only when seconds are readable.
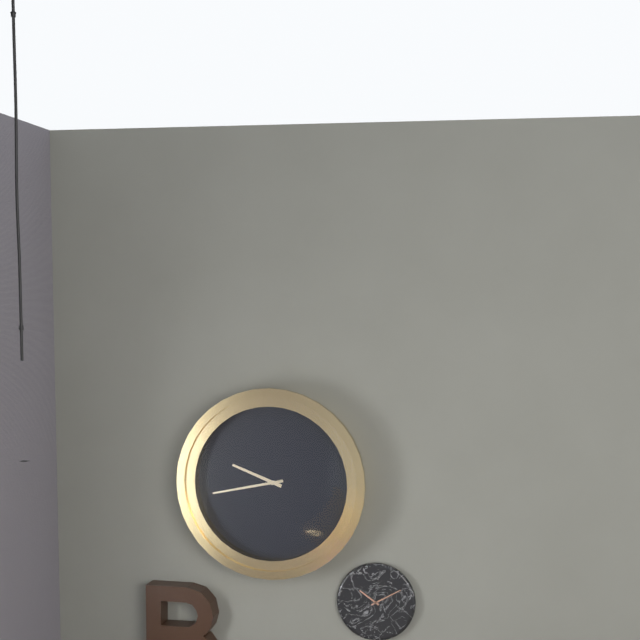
9:43
